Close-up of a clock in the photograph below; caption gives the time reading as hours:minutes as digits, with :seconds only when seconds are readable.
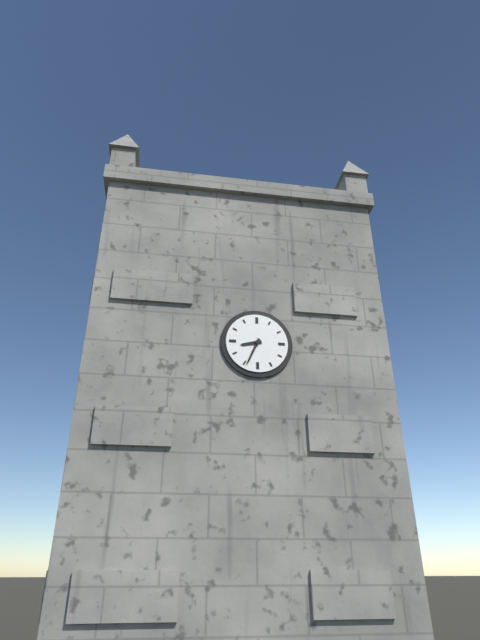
8:34
